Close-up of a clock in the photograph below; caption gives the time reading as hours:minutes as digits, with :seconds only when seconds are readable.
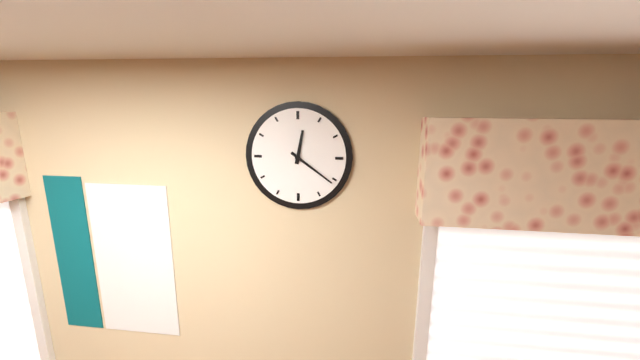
12:21
